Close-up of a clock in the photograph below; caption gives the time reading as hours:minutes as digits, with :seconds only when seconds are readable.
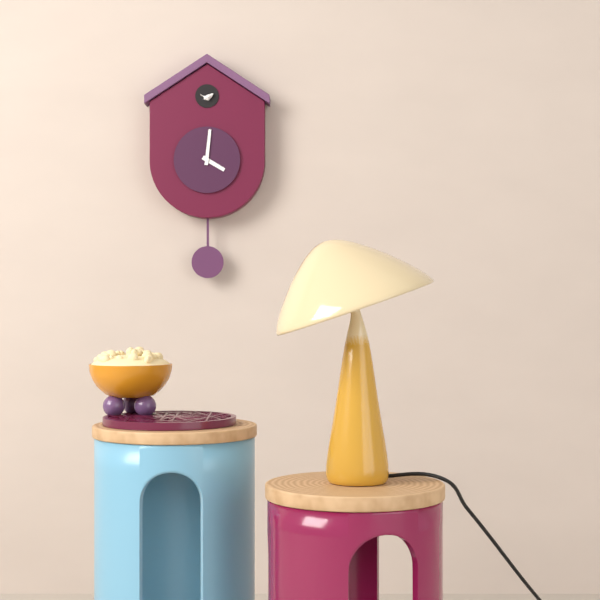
4:01
